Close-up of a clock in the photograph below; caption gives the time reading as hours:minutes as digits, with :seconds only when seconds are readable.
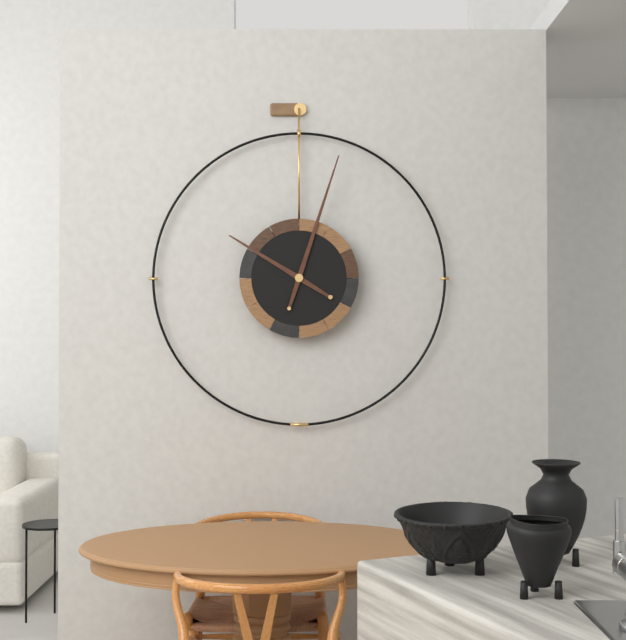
10:03
